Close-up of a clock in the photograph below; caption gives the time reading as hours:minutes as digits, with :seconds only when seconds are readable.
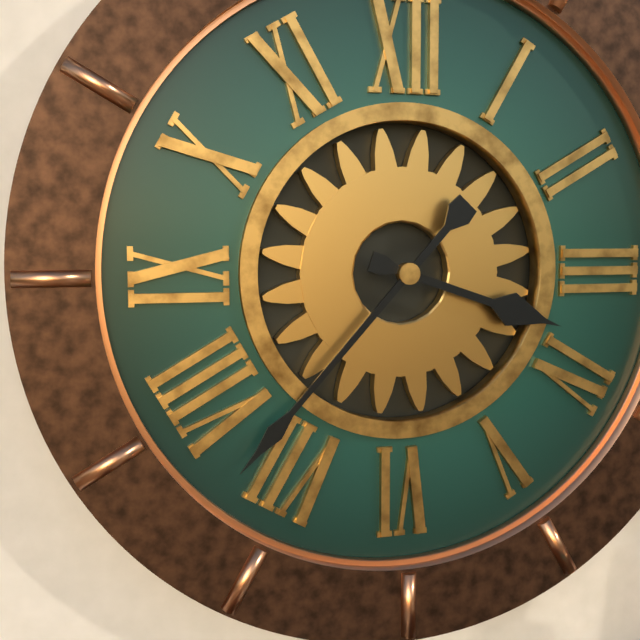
3:37
